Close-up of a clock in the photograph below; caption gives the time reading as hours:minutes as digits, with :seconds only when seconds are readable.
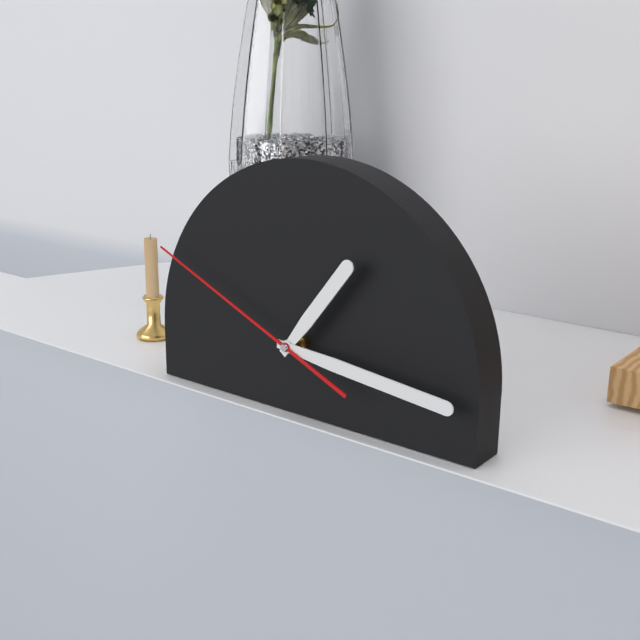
1:16:49
